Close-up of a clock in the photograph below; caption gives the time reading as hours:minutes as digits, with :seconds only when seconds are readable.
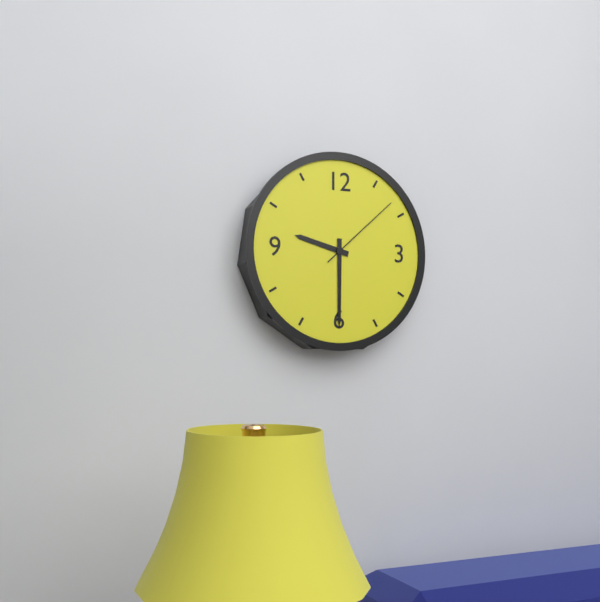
9:30:08
